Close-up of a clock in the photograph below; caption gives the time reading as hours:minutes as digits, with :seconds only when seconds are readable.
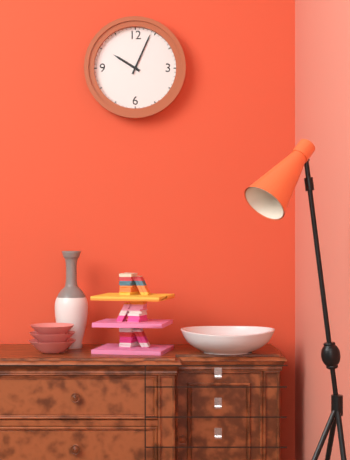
10:04
